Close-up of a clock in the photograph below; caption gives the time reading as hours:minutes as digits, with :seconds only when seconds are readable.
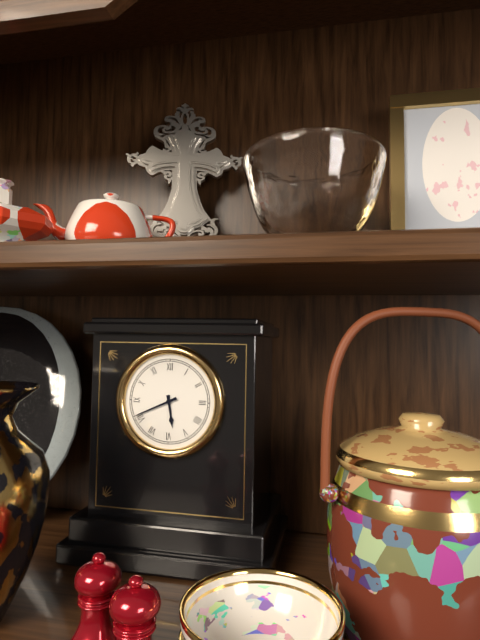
5:41
